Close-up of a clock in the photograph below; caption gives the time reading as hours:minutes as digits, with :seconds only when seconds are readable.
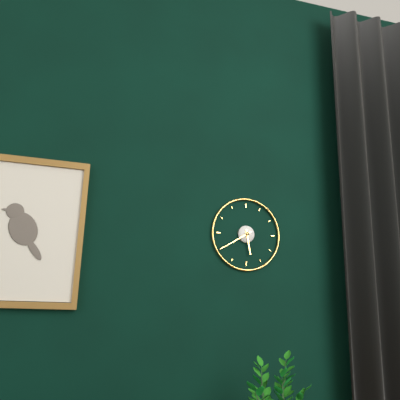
5:40
